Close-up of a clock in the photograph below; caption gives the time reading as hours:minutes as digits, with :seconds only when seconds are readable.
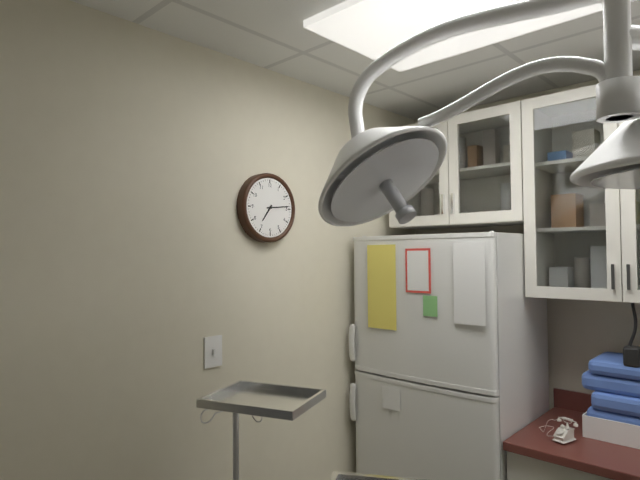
7:14
